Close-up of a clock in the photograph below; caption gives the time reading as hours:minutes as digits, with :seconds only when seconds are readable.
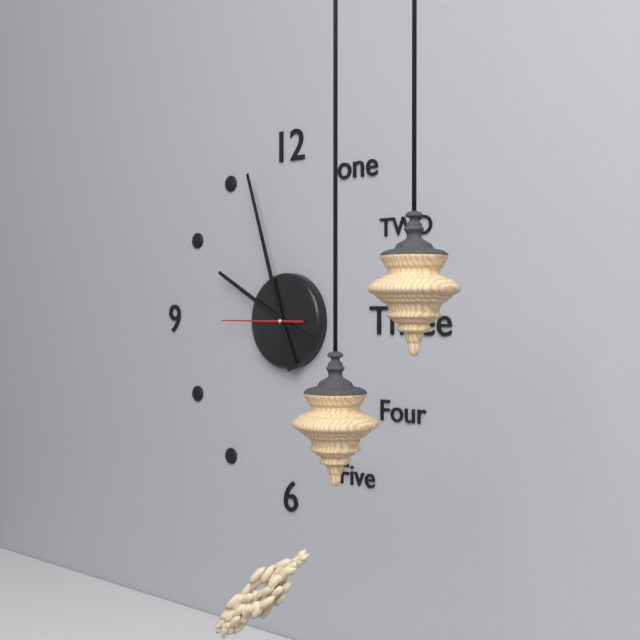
9:57:45
